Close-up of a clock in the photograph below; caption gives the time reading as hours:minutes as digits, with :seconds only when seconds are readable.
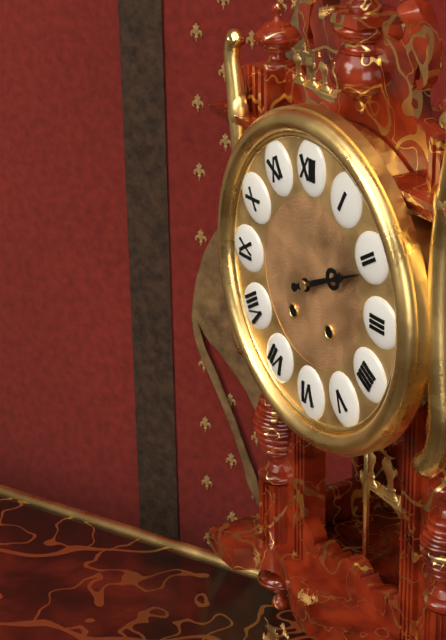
2:11
